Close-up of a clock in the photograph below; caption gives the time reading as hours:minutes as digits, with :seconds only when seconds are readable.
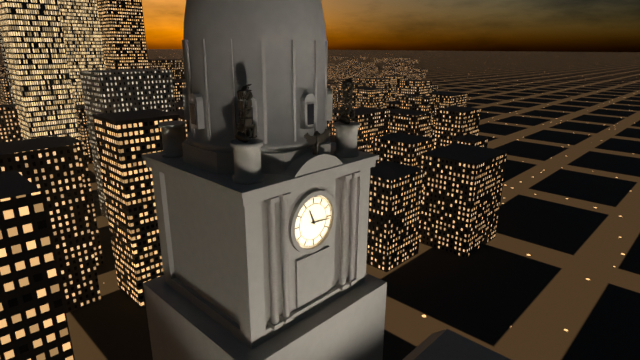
11:16
